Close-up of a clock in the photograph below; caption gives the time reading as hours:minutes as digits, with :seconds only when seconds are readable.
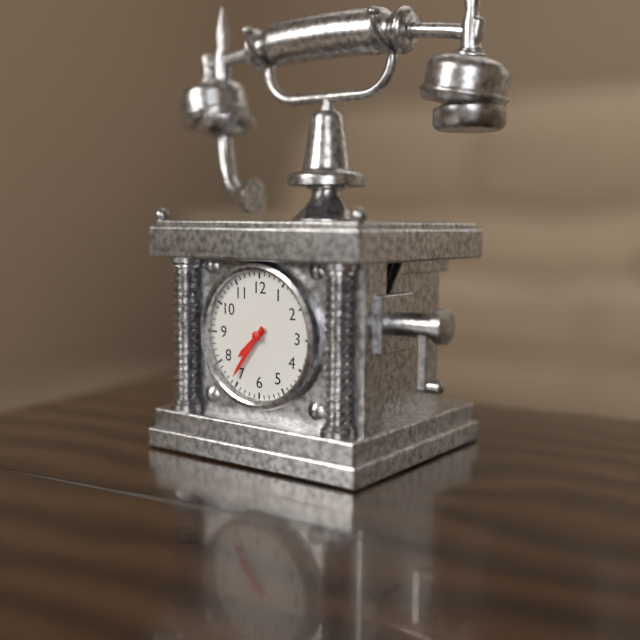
7:36
